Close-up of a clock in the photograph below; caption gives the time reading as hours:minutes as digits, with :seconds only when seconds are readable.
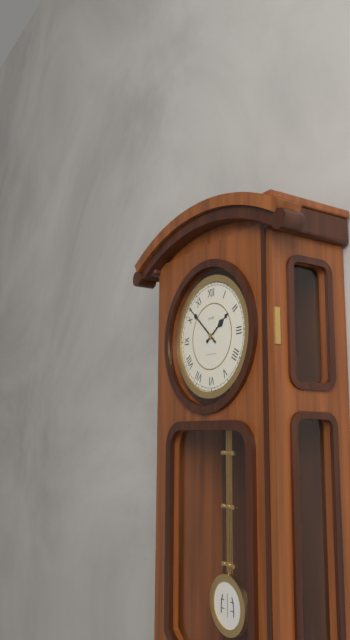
1:52
